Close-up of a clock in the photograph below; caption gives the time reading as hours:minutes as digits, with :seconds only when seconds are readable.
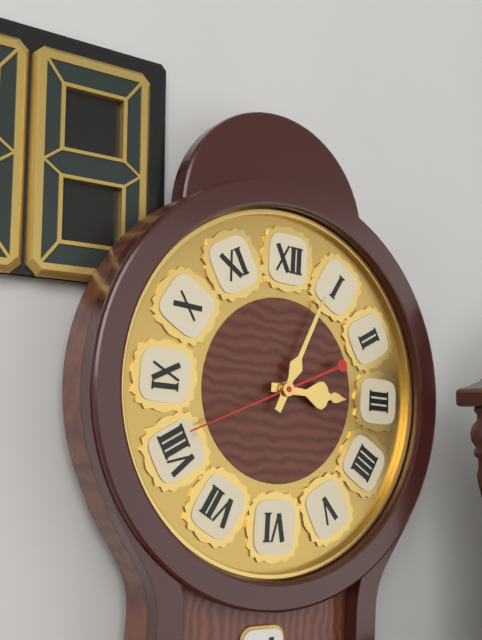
3:04:41
